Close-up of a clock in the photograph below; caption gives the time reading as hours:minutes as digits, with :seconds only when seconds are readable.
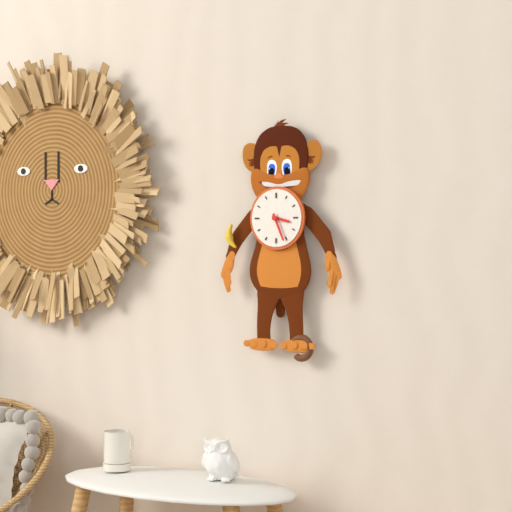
3:26
